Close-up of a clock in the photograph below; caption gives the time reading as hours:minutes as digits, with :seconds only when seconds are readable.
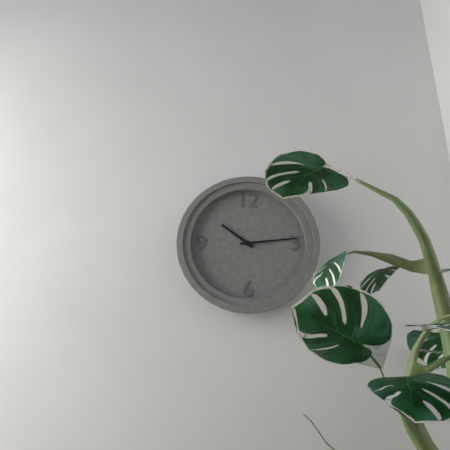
10:14
